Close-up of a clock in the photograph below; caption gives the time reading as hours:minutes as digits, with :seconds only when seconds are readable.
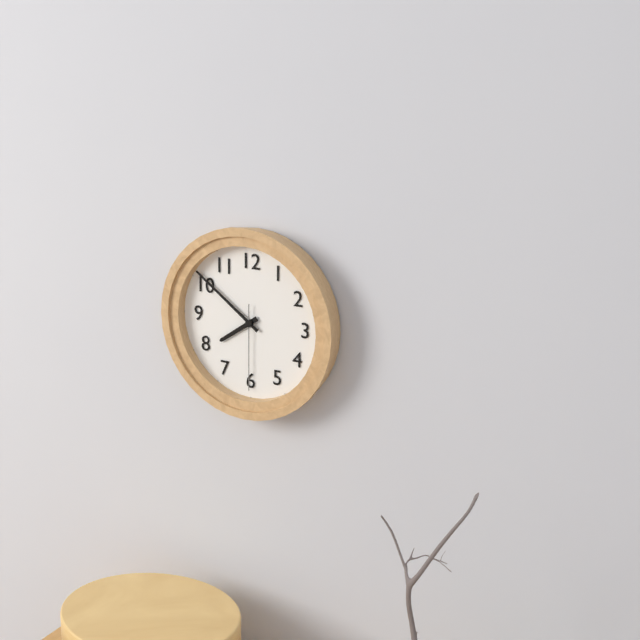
7:51:30
